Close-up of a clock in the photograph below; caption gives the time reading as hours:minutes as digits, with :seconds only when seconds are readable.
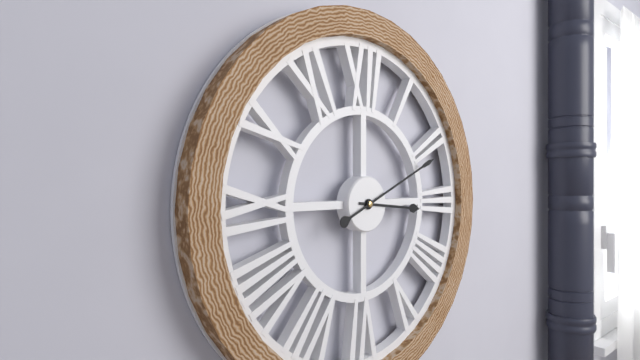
3:11
